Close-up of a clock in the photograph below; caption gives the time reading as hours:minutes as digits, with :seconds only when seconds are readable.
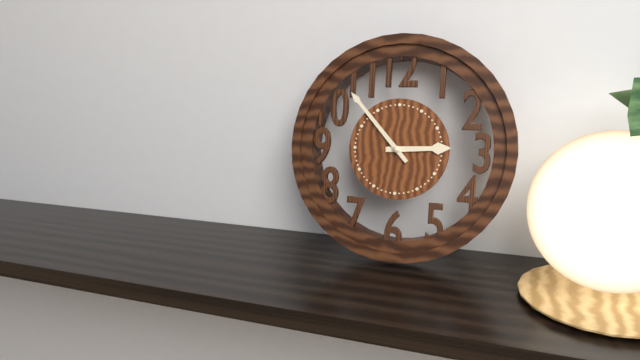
2:53
